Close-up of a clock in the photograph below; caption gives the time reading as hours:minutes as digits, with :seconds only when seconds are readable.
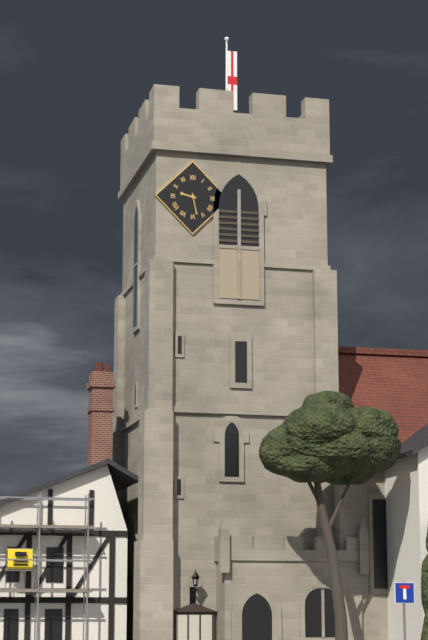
9:28
